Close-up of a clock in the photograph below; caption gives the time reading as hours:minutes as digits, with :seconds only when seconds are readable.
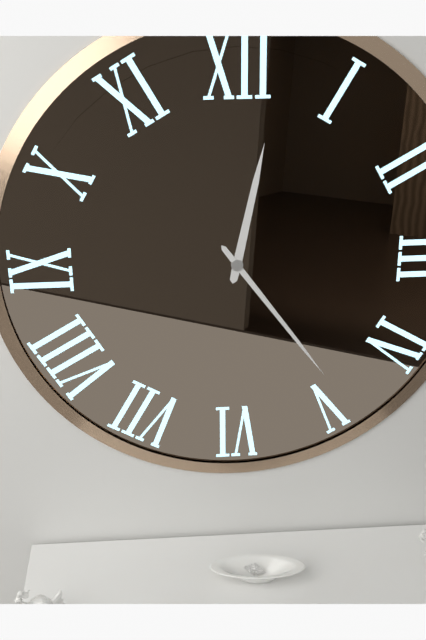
12:24
